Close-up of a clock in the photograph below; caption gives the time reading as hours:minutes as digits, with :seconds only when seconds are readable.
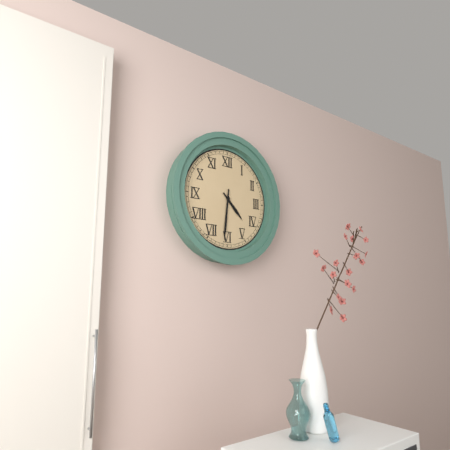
4:31
